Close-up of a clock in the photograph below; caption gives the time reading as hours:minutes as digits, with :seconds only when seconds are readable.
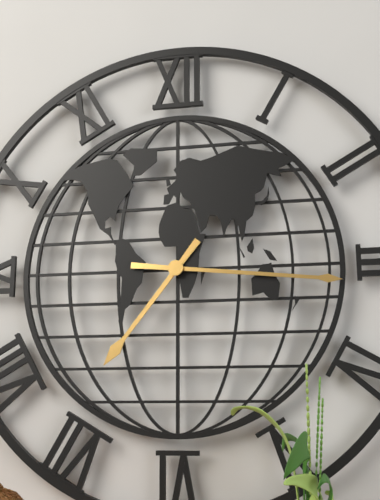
7:16
